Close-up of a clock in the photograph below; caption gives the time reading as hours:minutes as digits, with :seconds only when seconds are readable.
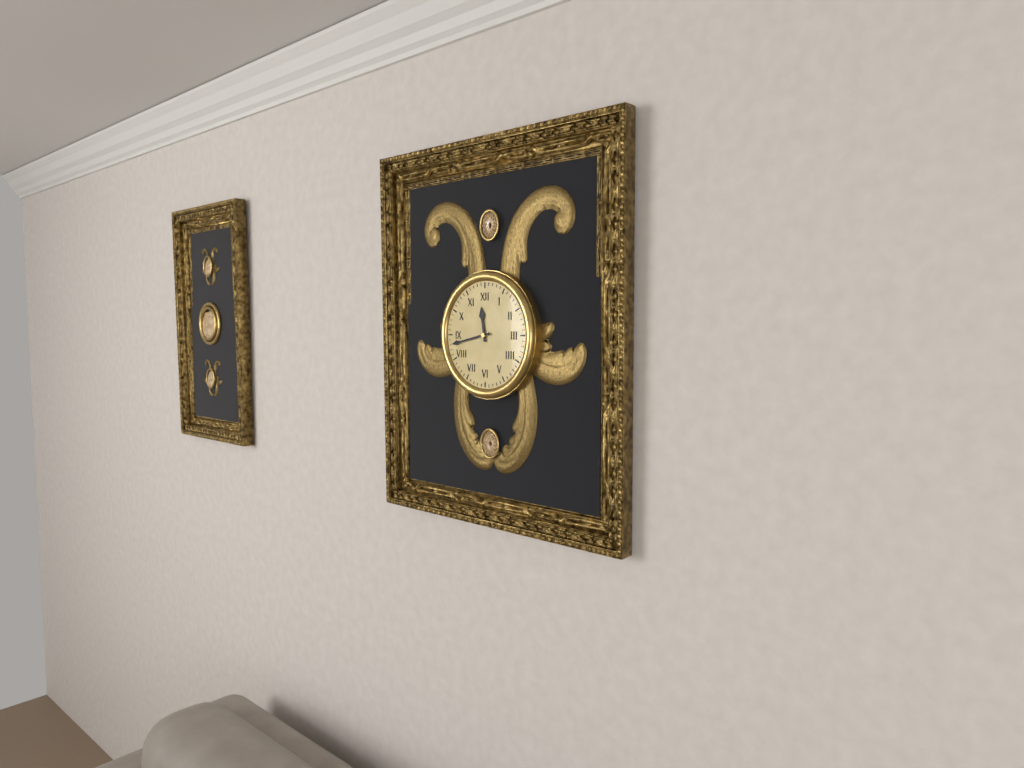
11:43
